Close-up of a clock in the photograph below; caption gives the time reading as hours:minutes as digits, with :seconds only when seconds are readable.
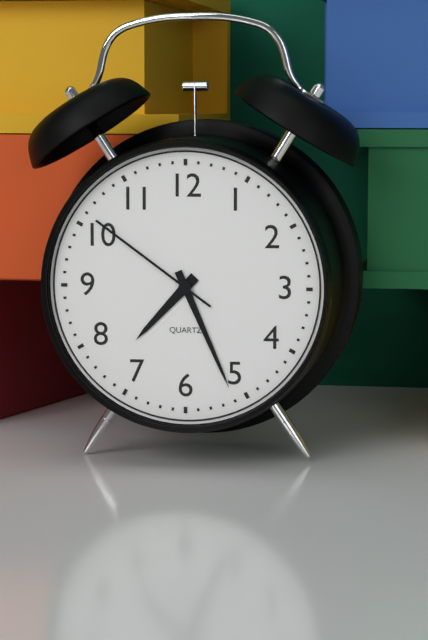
7:26:51
